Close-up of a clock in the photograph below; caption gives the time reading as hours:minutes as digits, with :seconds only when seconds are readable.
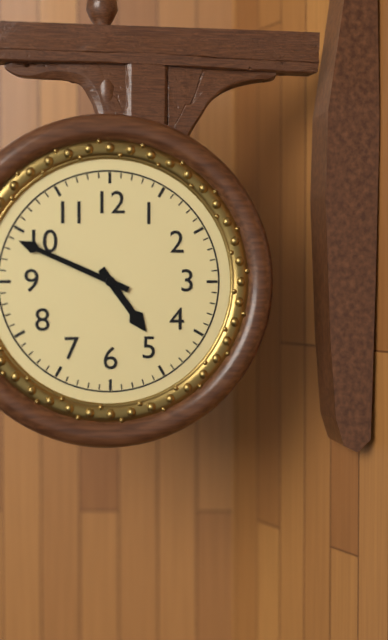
4:49
